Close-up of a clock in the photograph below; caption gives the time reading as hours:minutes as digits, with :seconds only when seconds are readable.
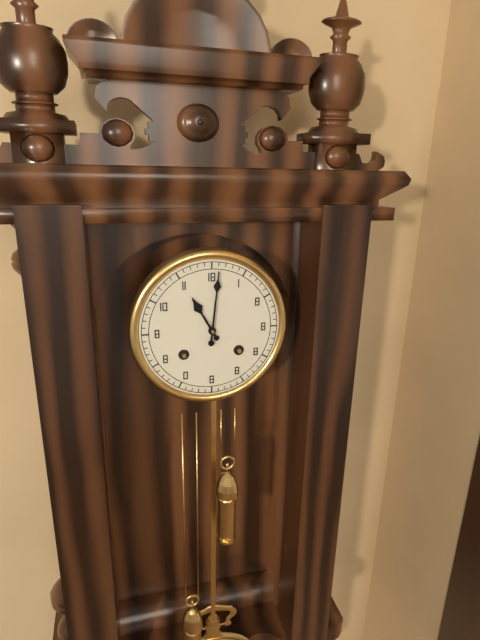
11:01
